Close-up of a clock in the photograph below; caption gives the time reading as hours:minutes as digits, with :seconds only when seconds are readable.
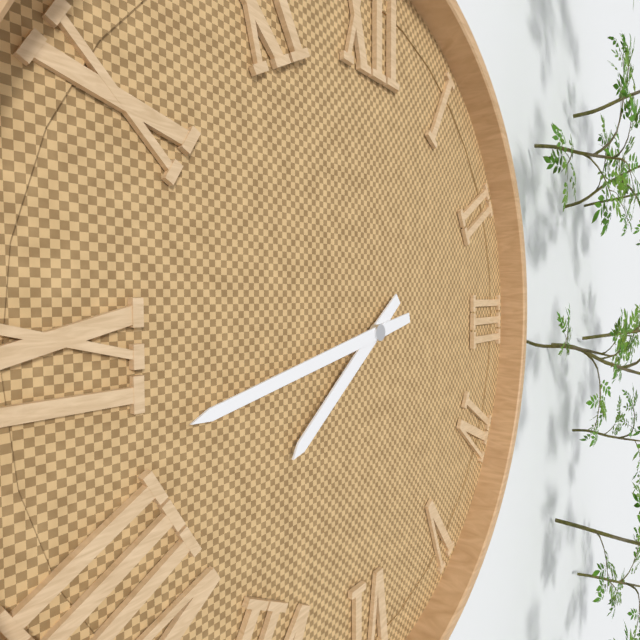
7:43
